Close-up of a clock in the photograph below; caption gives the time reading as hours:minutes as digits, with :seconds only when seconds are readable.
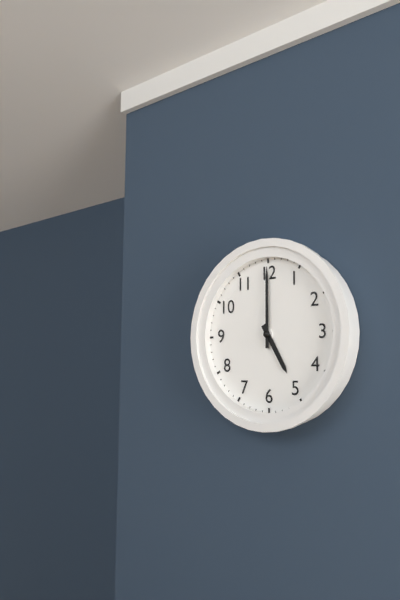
5:00
